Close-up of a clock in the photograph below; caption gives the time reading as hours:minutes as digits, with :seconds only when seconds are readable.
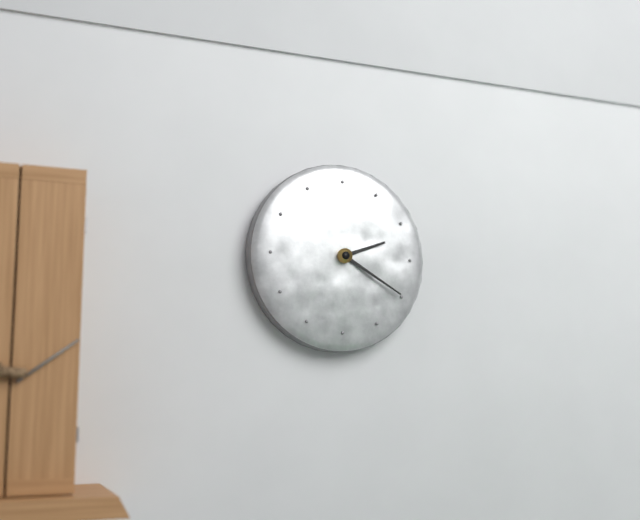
2:20
